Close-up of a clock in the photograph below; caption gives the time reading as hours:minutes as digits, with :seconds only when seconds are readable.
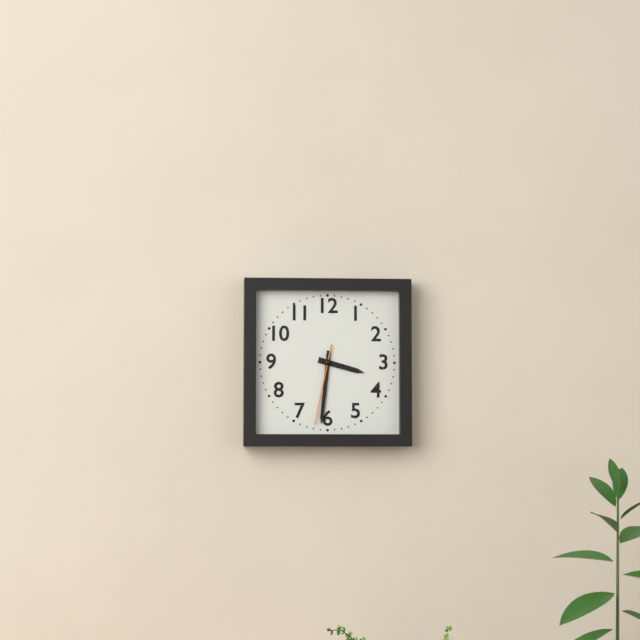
3:31:32
